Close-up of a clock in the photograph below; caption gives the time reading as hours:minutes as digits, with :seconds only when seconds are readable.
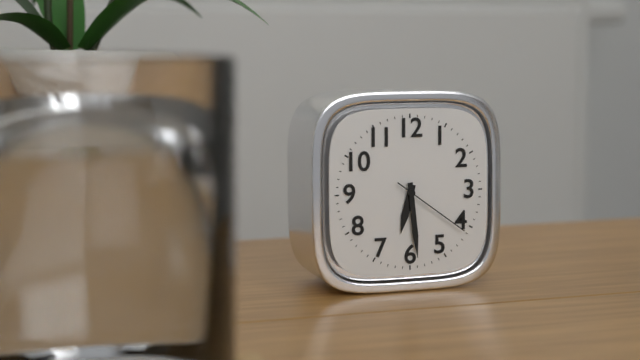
6:29:21
